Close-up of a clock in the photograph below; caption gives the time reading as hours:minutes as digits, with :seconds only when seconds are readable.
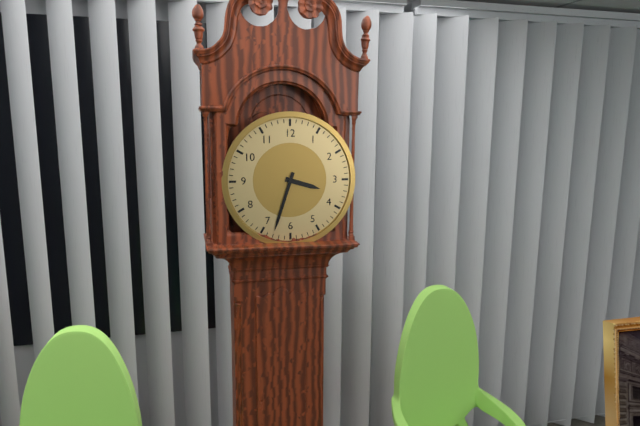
3:33
